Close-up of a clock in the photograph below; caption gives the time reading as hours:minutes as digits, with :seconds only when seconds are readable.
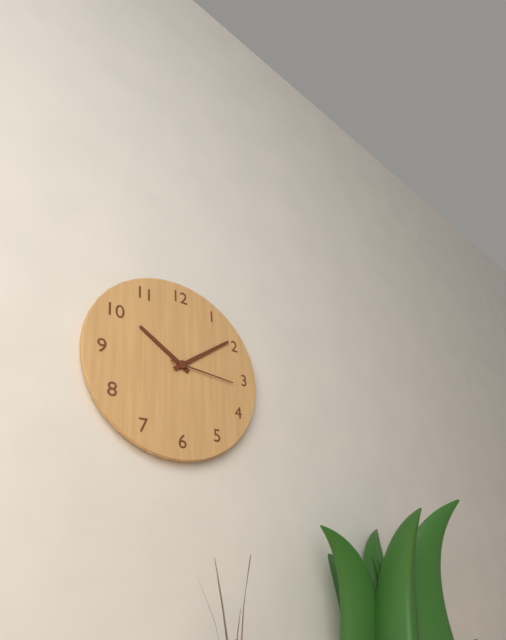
10:09:16
